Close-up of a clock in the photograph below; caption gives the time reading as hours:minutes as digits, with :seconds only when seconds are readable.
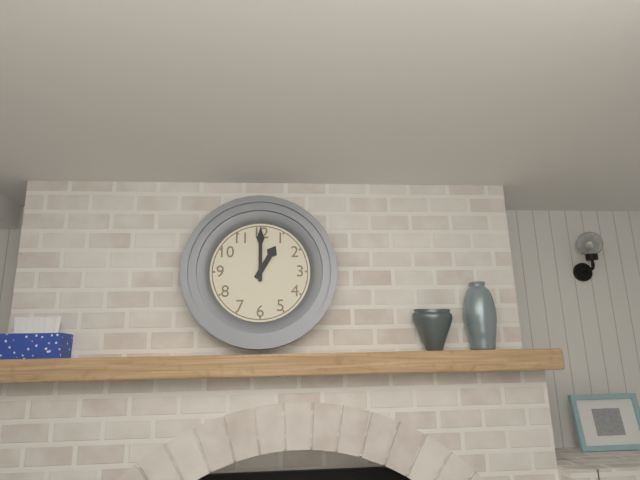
1:00
